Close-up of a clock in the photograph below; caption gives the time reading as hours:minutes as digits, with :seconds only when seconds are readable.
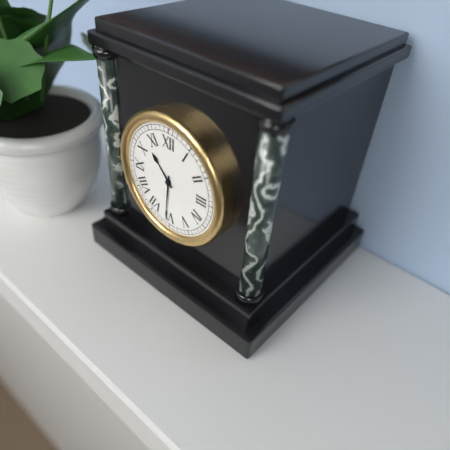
10:31
